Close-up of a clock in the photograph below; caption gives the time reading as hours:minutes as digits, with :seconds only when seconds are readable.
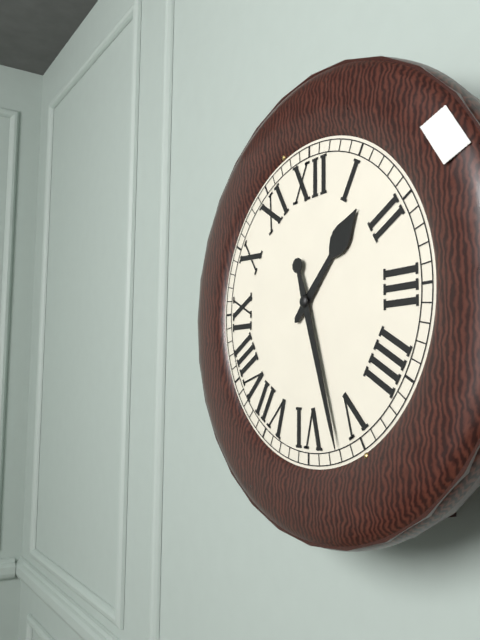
1:27
